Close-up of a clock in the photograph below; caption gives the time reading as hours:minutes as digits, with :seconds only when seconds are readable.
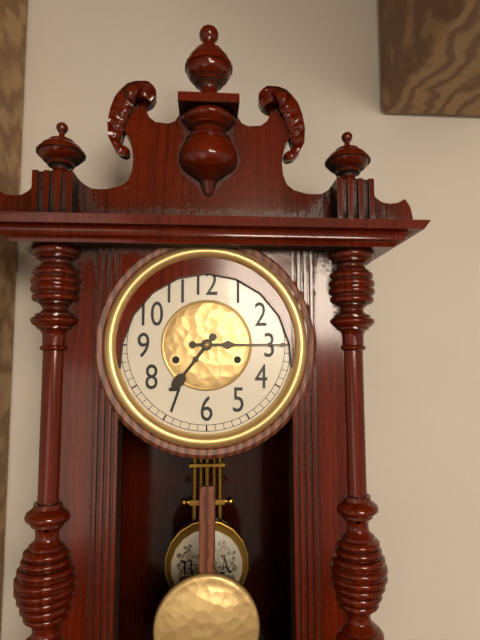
7:15
